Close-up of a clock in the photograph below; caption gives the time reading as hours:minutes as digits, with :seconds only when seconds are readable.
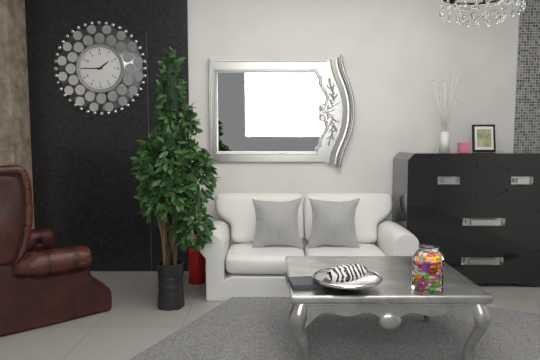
1:45
